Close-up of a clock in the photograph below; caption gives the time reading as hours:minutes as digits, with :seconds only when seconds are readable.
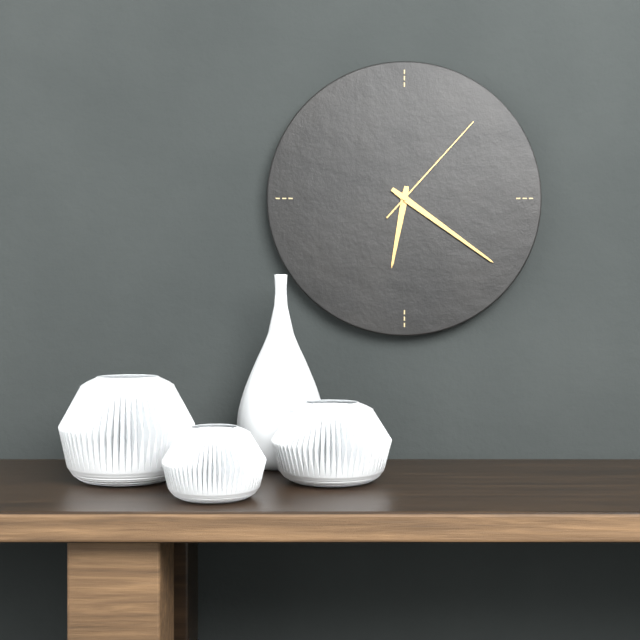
6:21:07
